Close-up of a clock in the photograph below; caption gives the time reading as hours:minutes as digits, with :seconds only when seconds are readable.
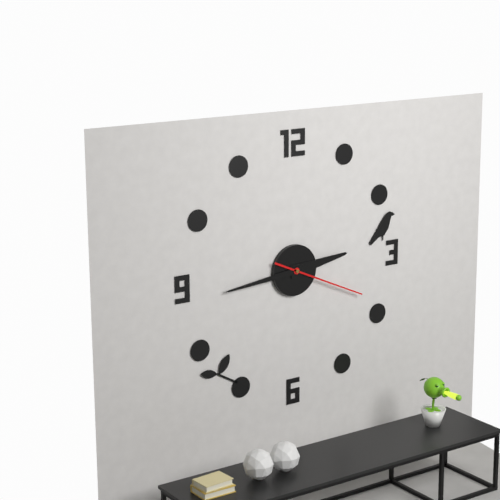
2:44:19
